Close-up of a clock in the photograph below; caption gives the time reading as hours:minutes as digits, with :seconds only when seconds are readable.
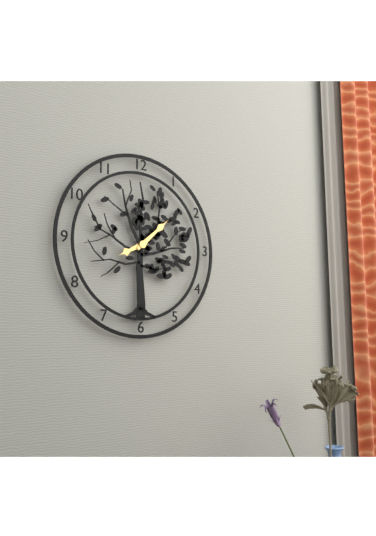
8:08
